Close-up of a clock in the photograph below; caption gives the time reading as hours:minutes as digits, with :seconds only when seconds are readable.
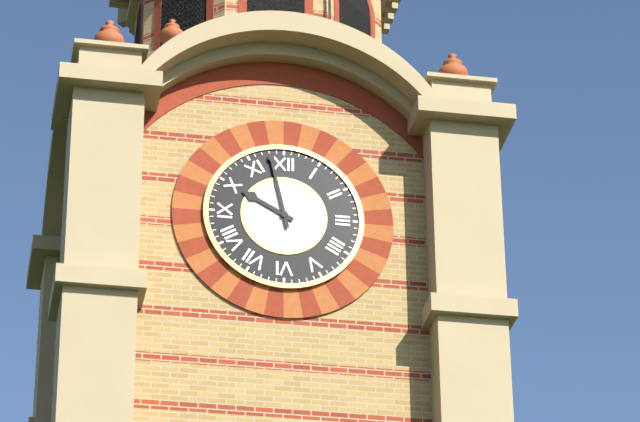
9:58
